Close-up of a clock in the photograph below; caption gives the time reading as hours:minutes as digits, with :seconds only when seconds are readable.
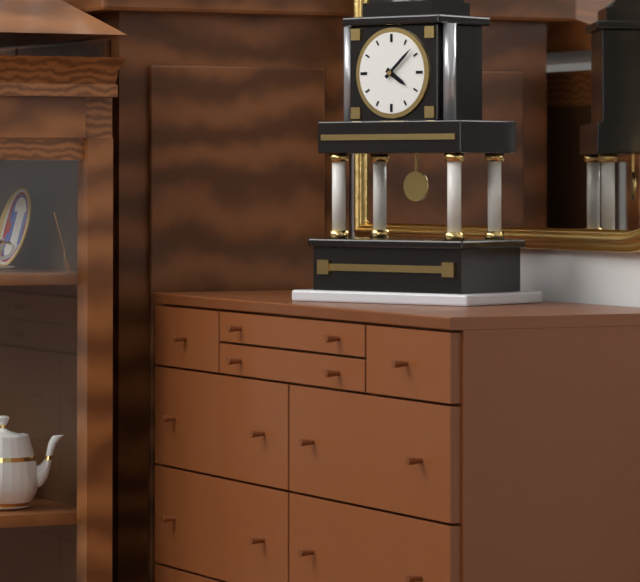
4:08
